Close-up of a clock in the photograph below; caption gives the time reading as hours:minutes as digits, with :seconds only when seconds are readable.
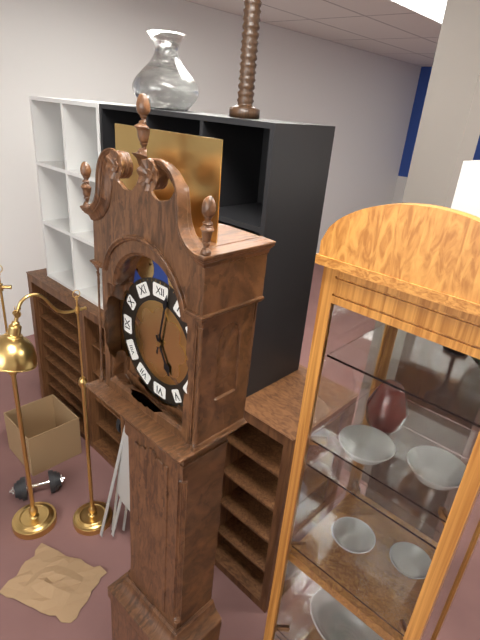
5:02
